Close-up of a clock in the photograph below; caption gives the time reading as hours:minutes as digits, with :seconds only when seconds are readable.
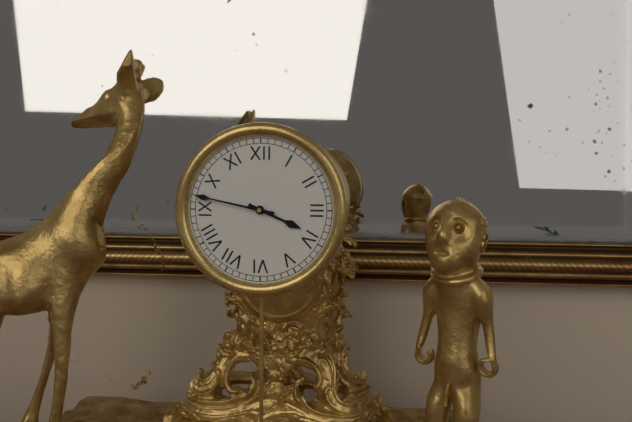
3:47
